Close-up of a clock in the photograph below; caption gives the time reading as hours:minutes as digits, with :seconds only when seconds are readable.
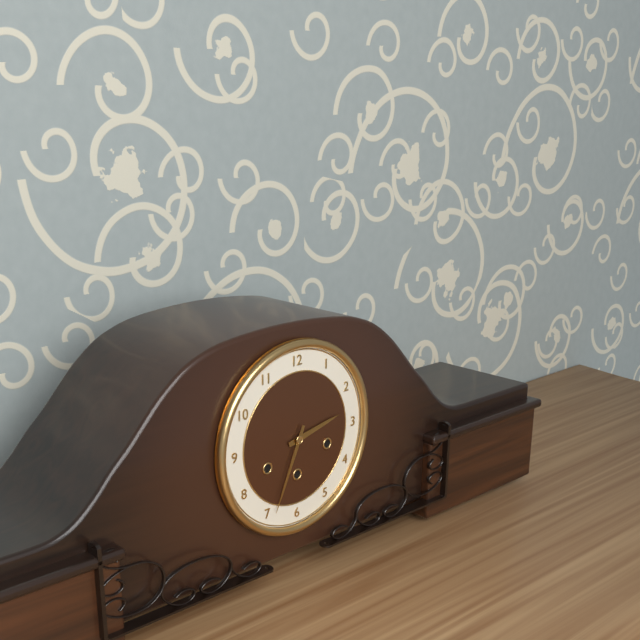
2:34
